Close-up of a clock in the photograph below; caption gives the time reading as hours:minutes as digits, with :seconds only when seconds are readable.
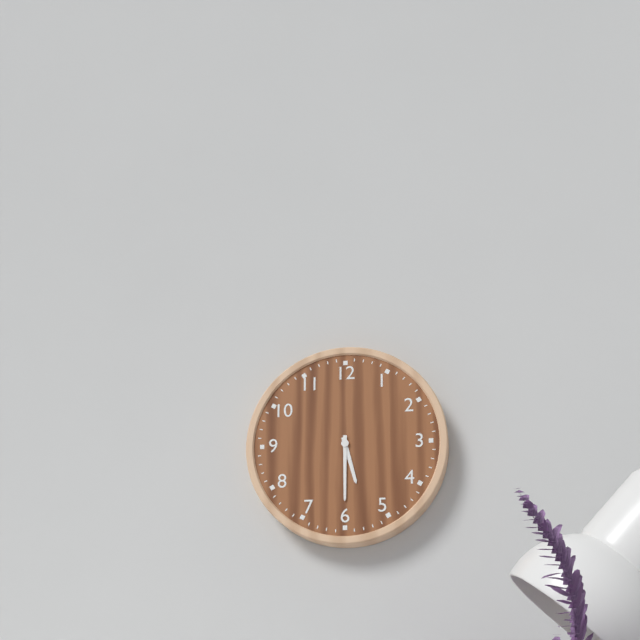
5:30
